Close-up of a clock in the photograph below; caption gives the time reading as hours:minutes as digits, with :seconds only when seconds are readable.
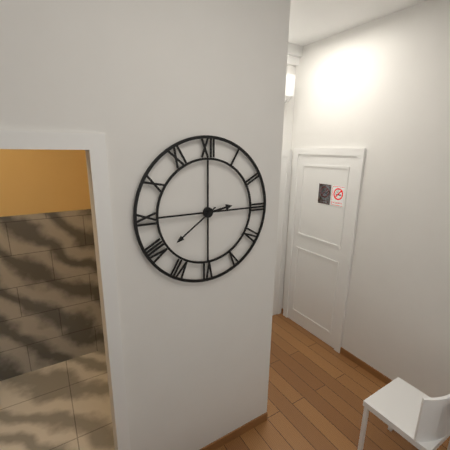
2:39
